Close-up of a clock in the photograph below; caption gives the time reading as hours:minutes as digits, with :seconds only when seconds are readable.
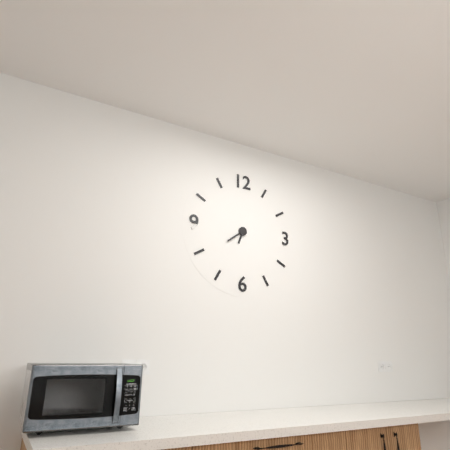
6:39
